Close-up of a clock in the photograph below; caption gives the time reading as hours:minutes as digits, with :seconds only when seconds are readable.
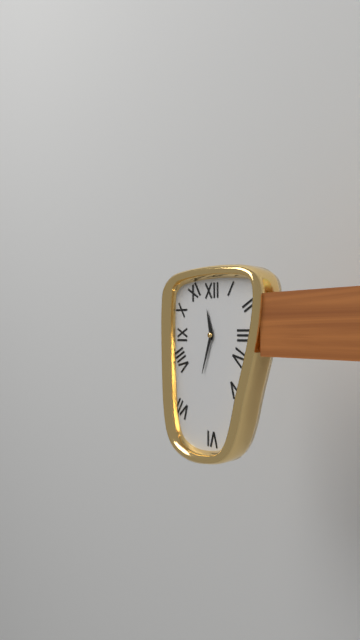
11:33
